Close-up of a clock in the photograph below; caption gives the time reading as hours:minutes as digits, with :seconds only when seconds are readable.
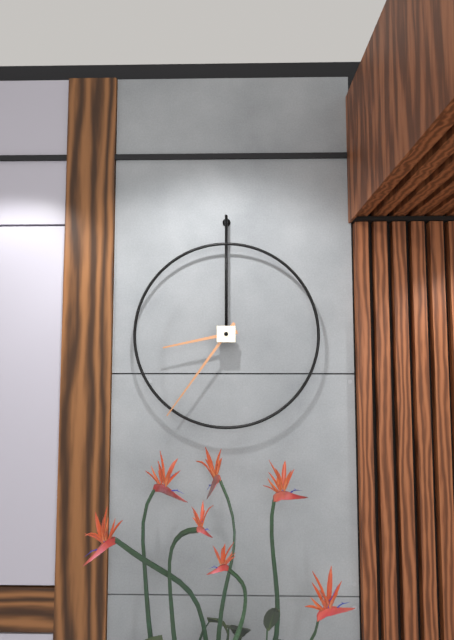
8:36
